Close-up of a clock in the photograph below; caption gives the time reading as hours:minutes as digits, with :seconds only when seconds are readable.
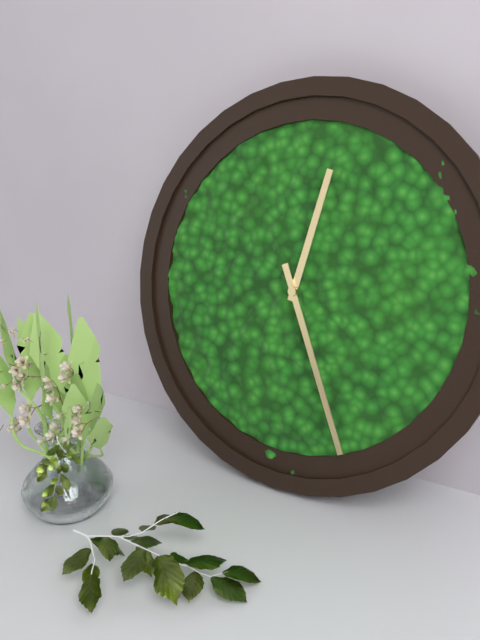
12:26
